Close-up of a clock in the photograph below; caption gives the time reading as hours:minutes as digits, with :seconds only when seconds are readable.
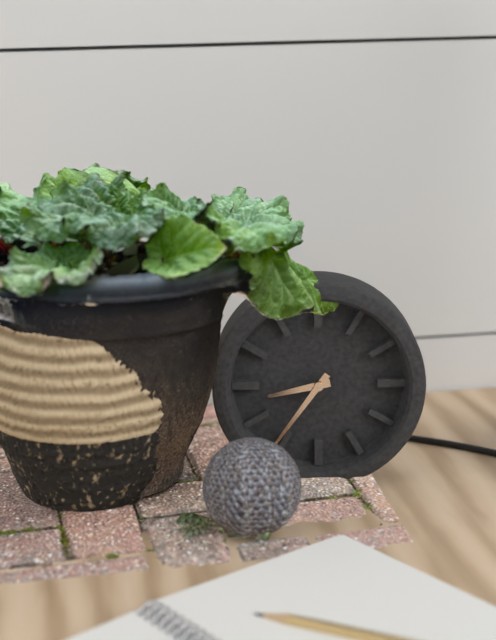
8:36
